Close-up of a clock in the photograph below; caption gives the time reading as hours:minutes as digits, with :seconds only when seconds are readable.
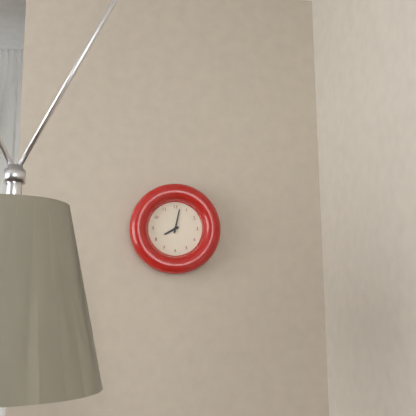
8:02
